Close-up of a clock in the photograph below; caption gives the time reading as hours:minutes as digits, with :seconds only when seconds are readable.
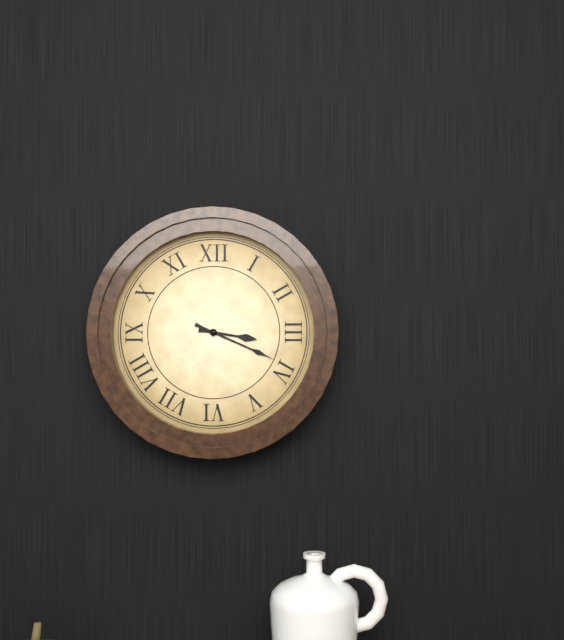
3:19
